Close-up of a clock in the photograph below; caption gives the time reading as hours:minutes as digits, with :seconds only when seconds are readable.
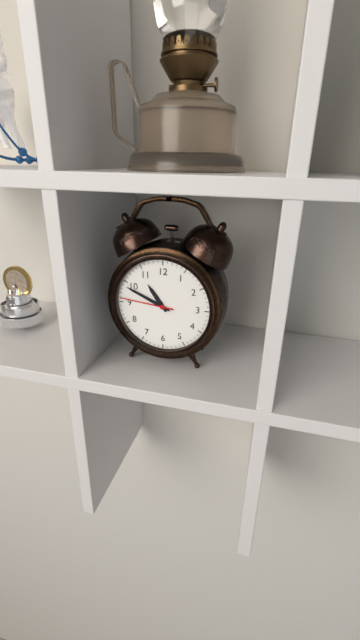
10:49:46
